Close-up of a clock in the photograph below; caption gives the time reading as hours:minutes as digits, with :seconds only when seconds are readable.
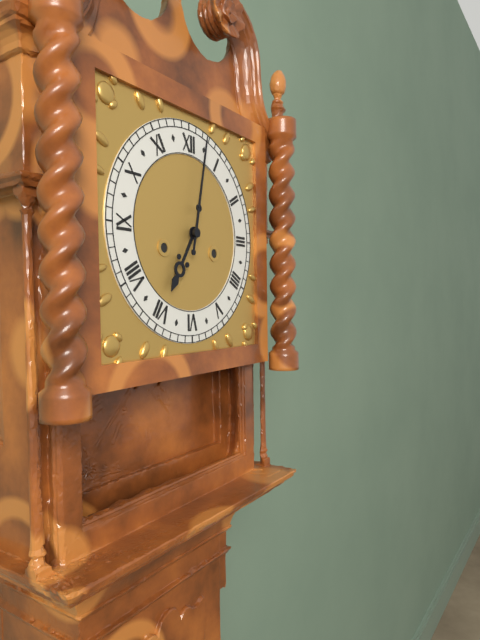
7:02
